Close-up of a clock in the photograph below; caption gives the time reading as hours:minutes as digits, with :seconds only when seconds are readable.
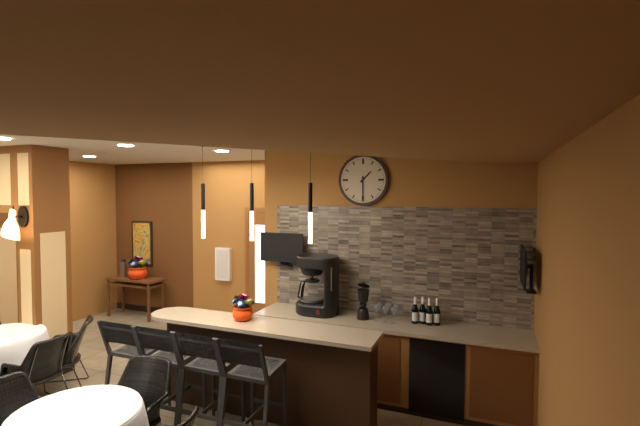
1:30
